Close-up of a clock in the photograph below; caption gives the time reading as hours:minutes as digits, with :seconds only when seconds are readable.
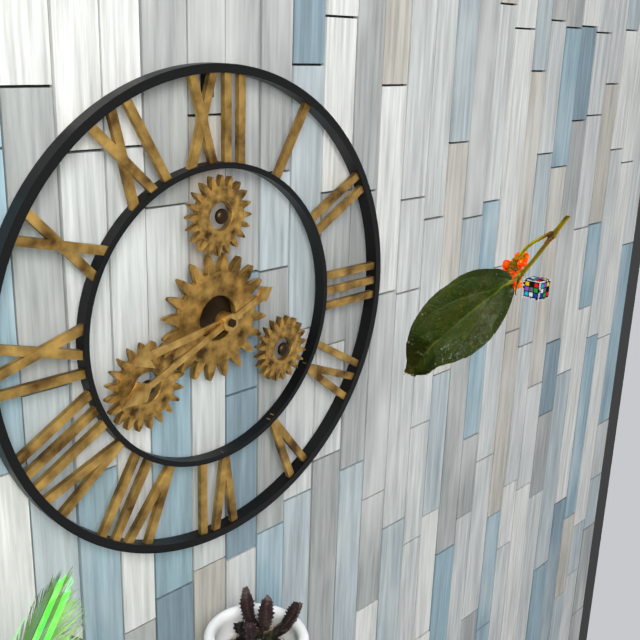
8:41
